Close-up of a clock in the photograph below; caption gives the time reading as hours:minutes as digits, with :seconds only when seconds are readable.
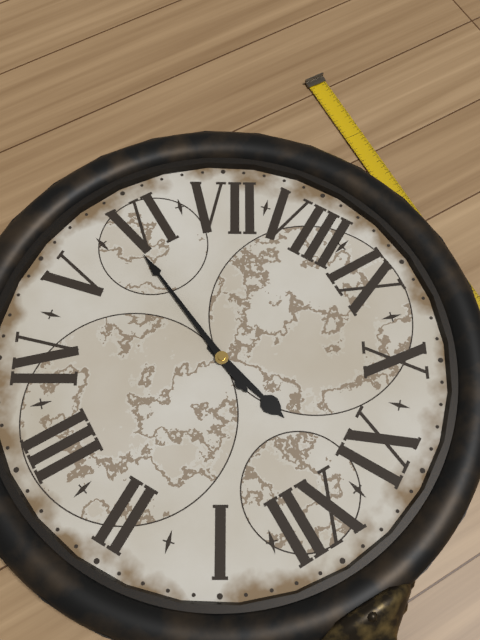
11:29
